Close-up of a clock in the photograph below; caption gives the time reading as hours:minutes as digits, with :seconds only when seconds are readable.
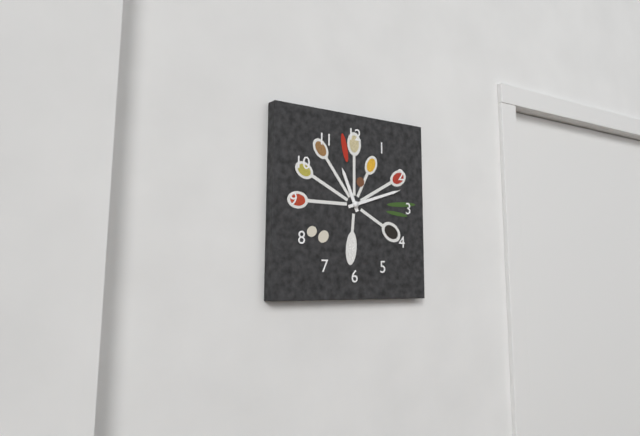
11:12
